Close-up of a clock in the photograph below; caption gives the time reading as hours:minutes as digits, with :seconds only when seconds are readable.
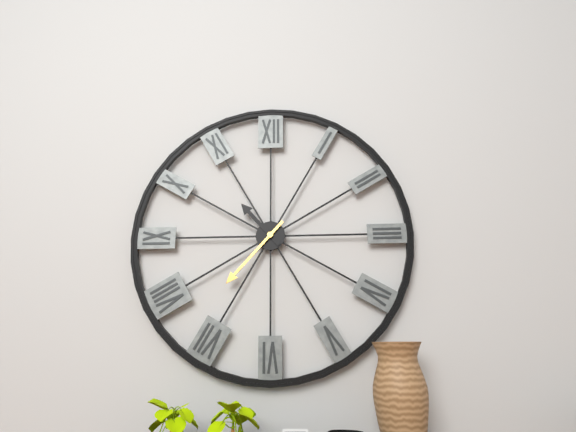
10:37
